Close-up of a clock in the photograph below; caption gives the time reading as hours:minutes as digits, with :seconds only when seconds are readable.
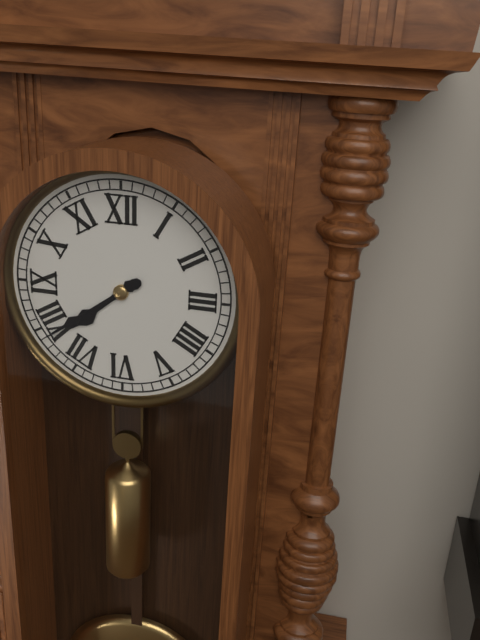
7:39
